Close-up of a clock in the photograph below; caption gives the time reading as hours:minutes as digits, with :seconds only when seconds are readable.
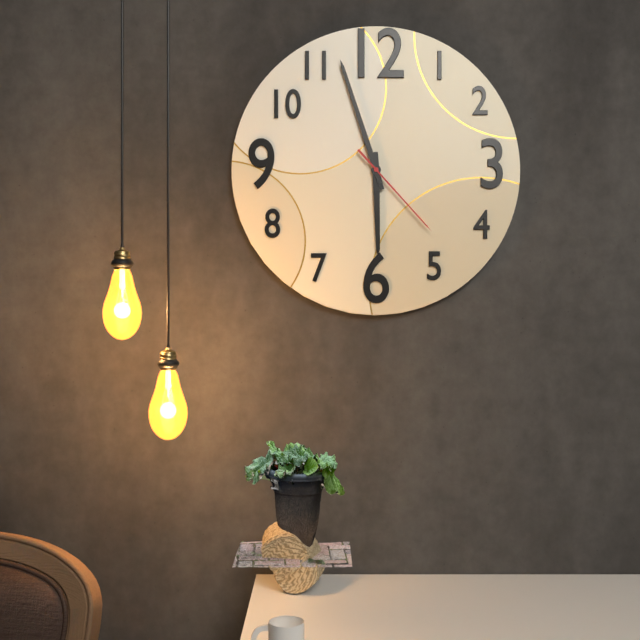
5:57:23
